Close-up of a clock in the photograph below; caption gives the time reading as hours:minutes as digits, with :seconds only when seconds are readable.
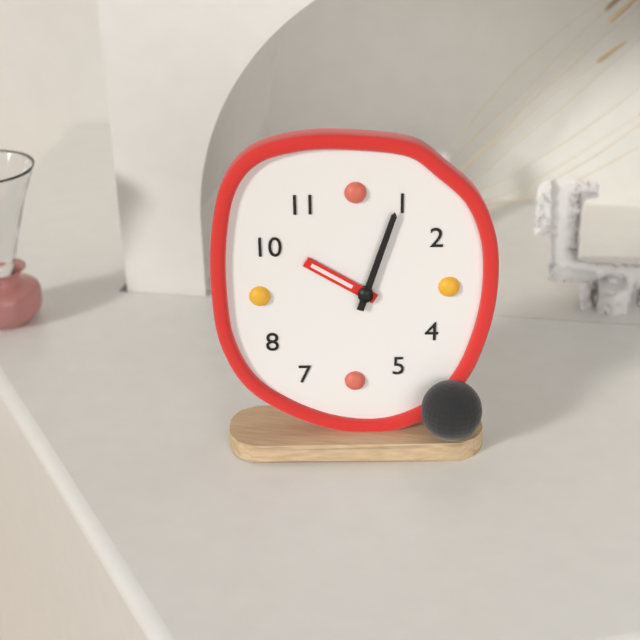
10:03
